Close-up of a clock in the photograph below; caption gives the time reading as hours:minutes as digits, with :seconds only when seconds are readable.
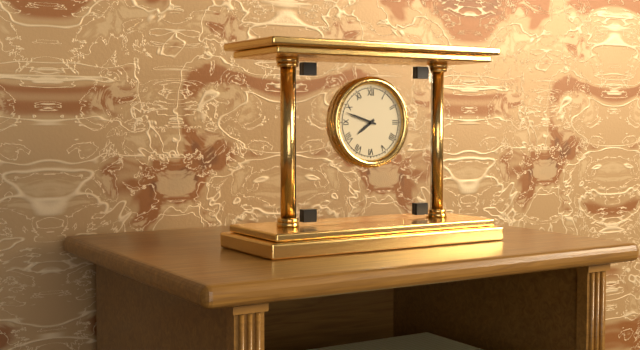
7:48
